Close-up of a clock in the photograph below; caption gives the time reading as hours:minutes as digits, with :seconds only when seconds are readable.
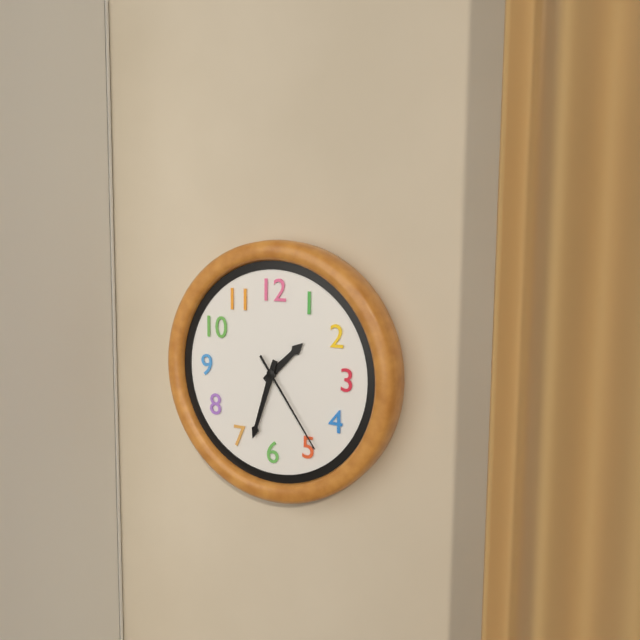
1:33:24
